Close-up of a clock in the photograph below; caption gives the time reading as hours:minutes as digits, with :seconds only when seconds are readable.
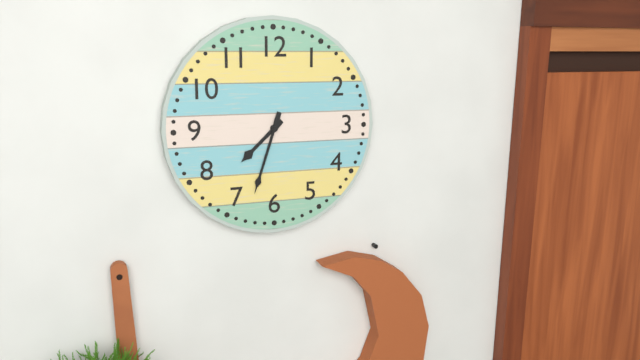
7:33
